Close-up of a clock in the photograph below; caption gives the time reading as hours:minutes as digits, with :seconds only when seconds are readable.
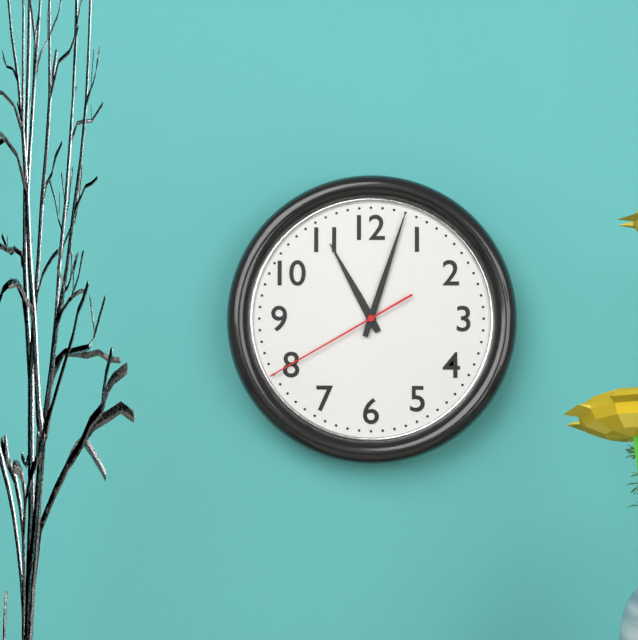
11:03:40
